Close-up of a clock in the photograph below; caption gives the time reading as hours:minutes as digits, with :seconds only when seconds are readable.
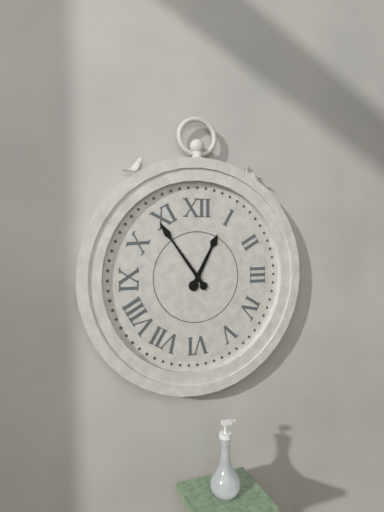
12:54
